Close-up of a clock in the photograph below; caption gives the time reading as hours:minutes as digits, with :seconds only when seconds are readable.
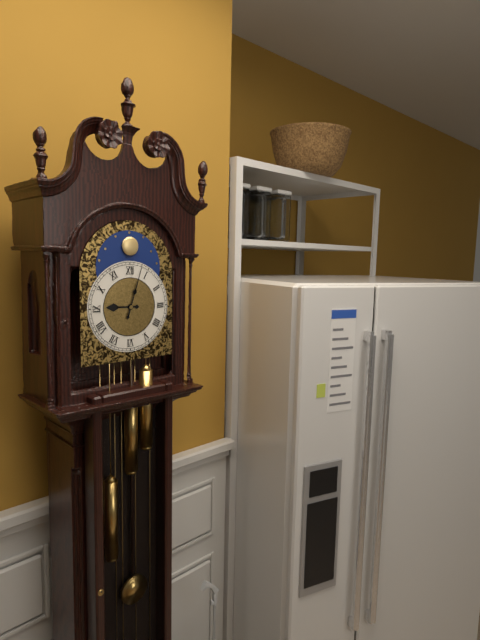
9:03
